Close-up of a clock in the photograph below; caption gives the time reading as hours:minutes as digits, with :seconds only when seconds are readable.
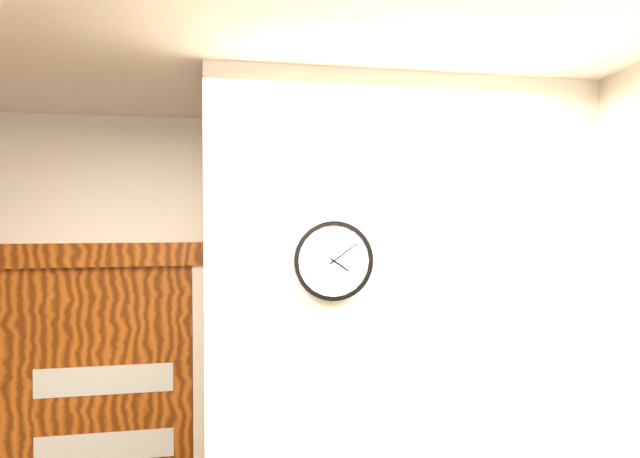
4:09
